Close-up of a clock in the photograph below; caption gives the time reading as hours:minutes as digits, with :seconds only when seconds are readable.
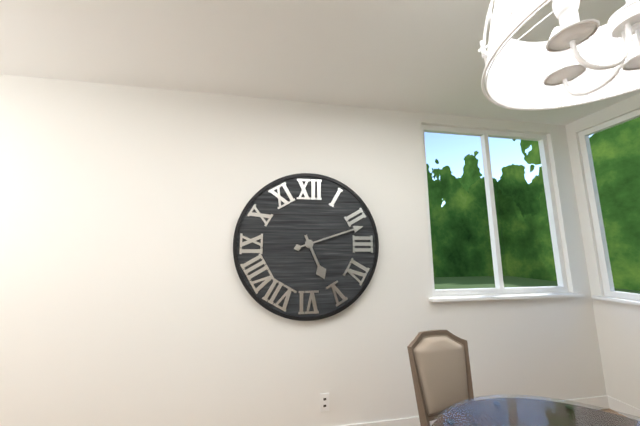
5:12
